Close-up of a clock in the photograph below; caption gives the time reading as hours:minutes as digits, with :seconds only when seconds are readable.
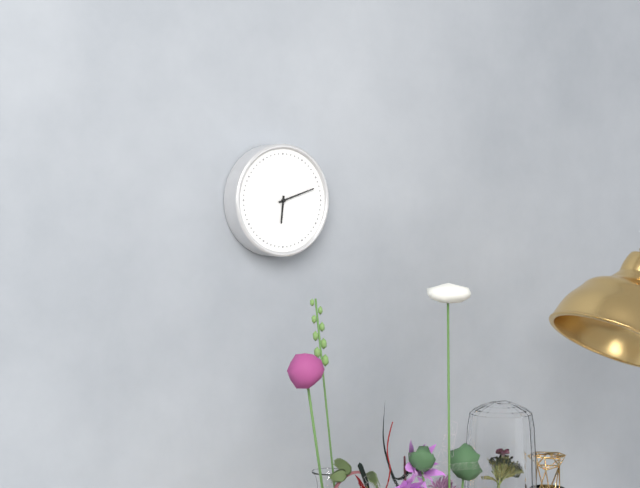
6:12
